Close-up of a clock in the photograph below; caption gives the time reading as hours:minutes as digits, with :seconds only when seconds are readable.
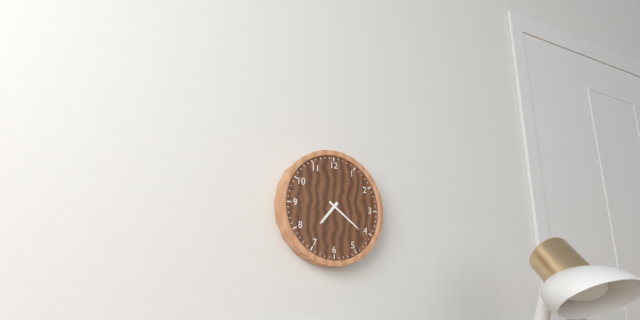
7:21
